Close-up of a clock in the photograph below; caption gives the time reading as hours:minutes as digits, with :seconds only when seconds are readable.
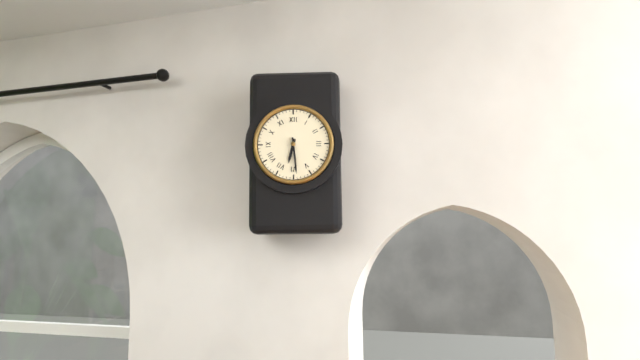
6:29
